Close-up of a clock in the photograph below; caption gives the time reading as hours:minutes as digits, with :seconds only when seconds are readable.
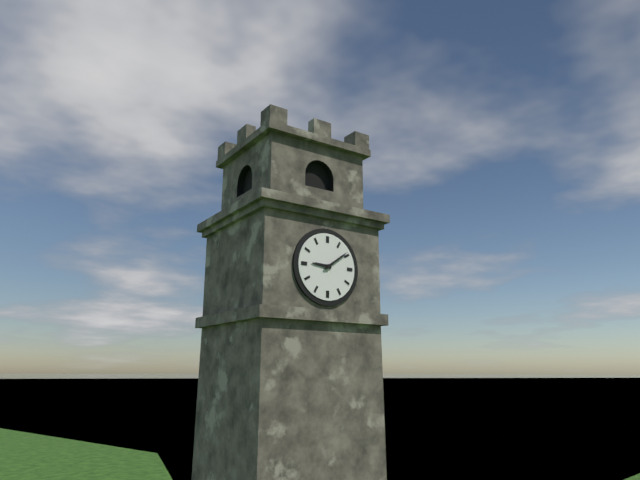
9:09
